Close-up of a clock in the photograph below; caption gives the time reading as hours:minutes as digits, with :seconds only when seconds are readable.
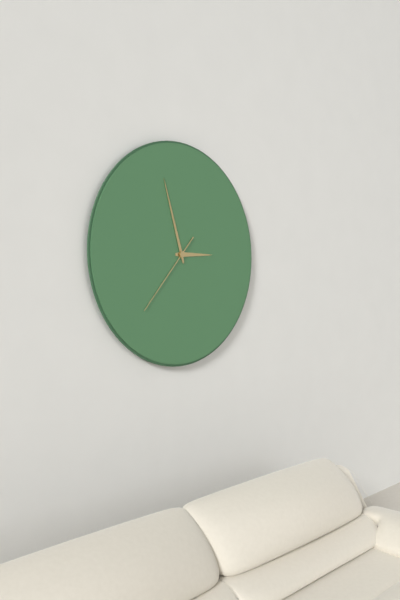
2:57:37
